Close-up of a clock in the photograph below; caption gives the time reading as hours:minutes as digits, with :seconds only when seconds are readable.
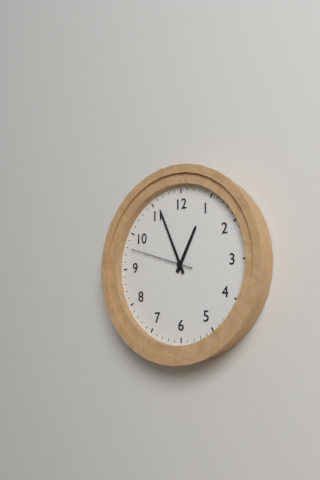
12:56:48
